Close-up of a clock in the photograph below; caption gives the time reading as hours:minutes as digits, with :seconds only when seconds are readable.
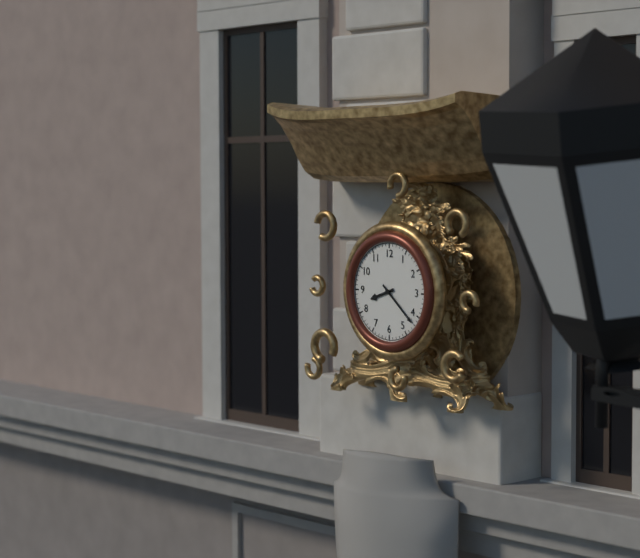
8:22
